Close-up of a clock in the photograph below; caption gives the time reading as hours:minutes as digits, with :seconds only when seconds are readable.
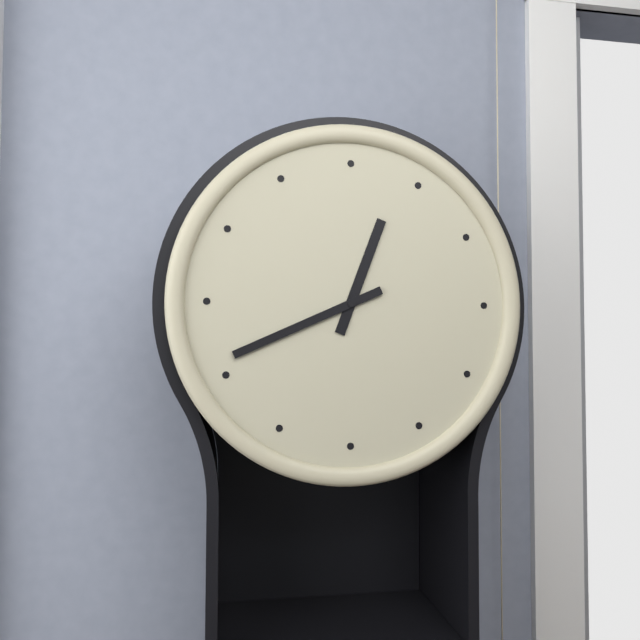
12:41
